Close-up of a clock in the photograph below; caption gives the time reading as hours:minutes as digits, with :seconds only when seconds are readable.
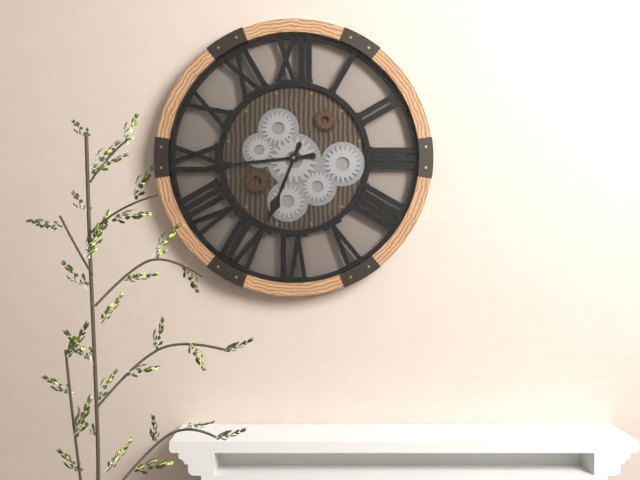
6:44
